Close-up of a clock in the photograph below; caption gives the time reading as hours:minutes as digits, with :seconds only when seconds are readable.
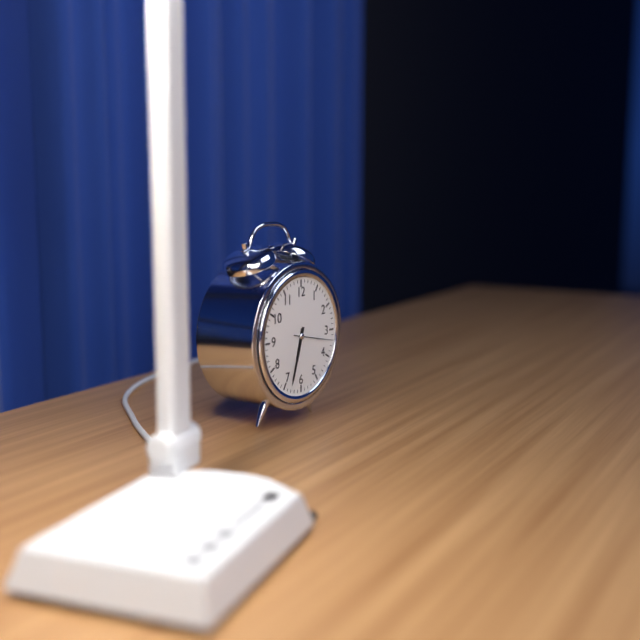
6:33
